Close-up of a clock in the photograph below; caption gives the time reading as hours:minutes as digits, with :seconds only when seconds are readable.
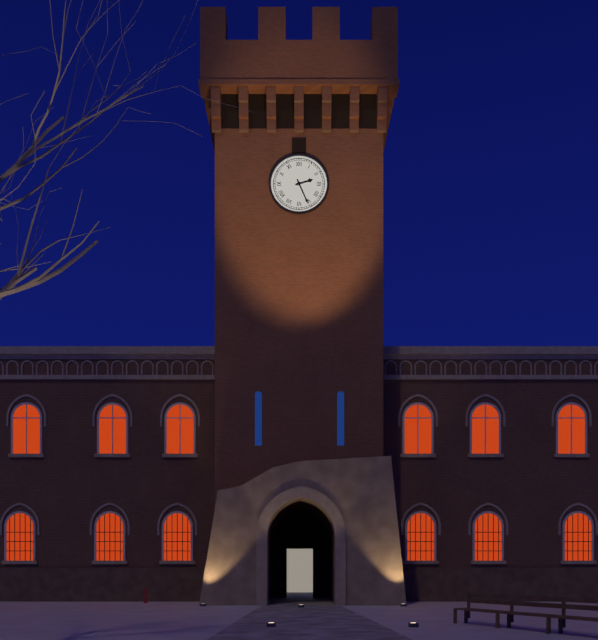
2:26
